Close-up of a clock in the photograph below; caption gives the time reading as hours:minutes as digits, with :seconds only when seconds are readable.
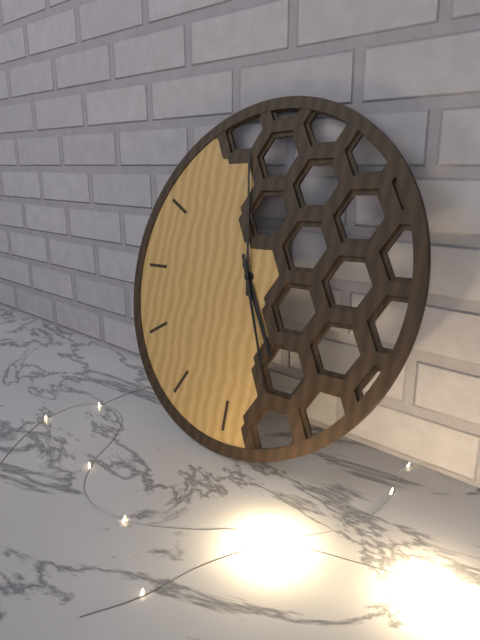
4:58:26
